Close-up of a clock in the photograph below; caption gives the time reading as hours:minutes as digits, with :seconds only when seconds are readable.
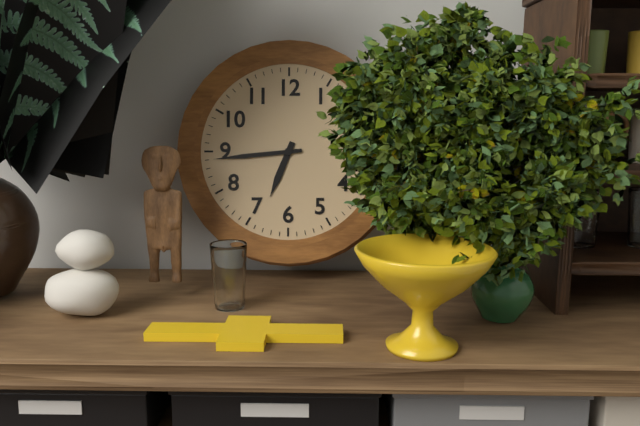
6:44
